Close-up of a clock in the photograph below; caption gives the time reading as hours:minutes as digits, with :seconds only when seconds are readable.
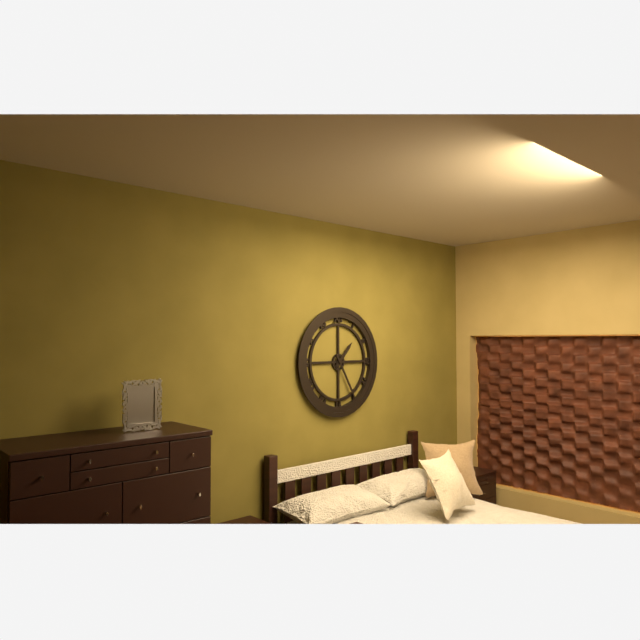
1:25
